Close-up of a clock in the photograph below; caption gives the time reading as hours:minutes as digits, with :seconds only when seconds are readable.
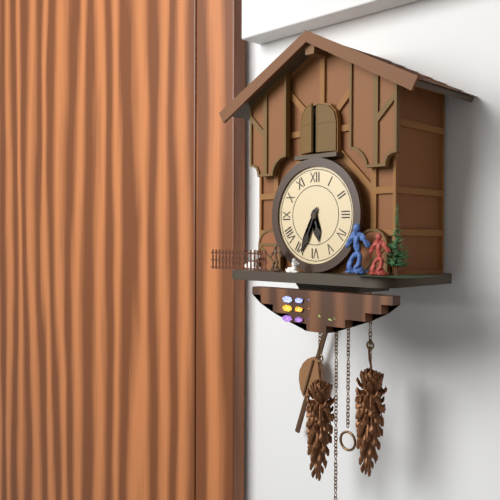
5:34
